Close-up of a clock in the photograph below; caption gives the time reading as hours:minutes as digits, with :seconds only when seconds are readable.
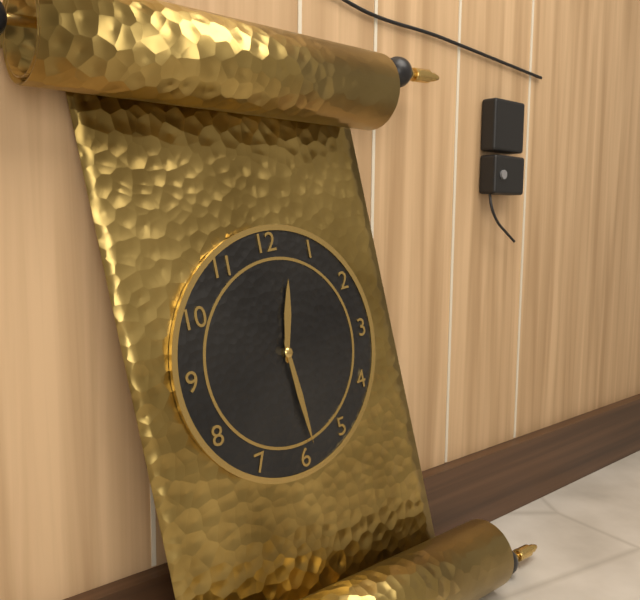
12:29
